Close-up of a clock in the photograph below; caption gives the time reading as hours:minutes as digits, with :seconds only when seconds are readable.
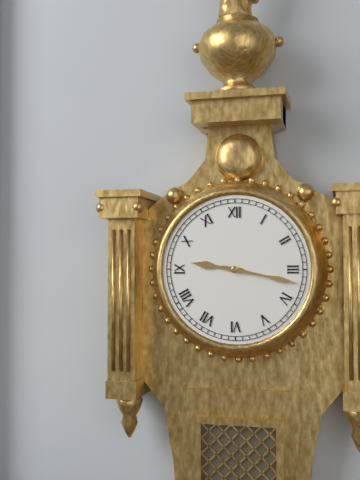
9:17
